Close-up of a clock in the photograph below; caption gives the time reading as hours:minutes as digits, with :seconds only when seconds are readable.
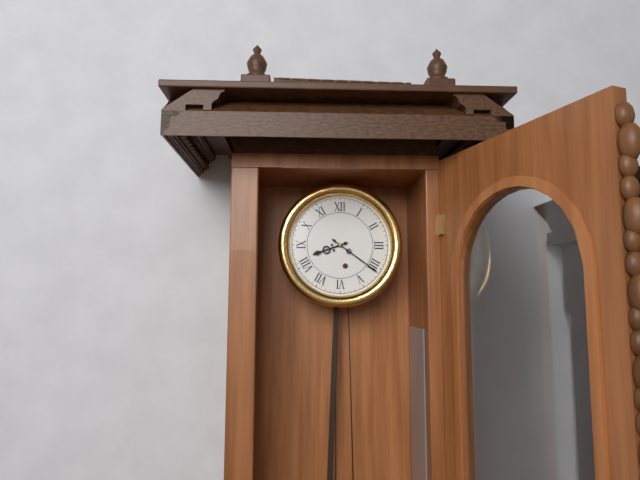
8:21
